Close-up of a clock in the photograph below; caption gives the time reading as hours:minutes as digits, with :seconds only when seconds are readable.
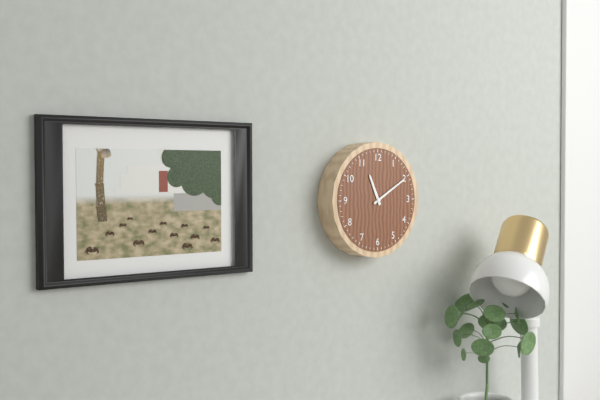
11:10
